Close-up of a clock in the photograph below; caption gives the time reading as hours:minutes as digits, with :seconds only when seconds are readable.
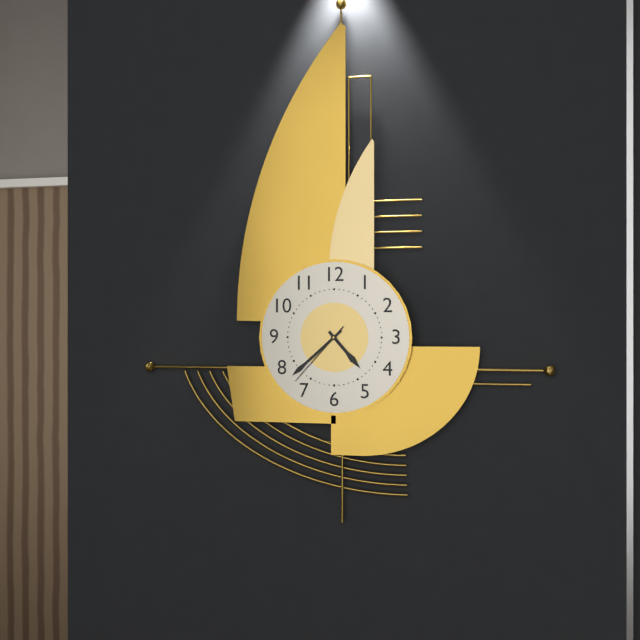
4:38:37
